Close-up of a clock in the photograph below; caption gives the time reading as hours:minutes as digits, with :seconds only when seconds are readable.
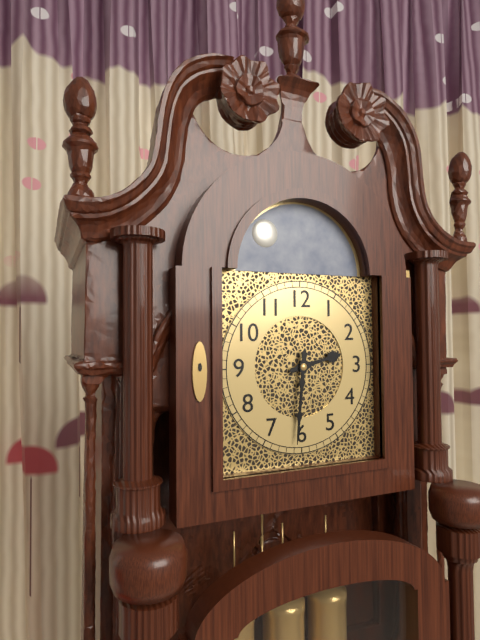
2:31
